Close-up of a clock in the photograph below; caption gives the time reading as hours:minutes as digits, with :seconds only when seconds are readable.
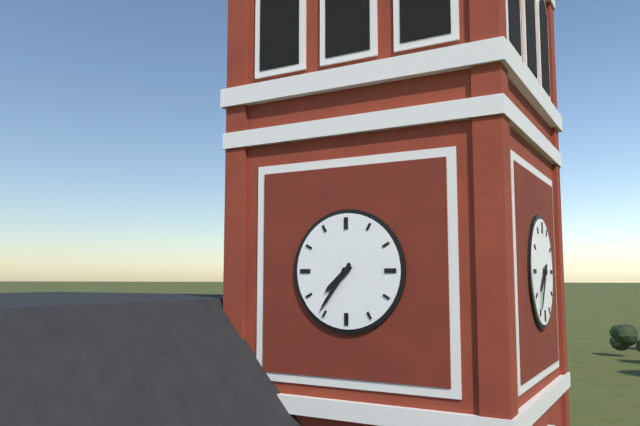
7:36
